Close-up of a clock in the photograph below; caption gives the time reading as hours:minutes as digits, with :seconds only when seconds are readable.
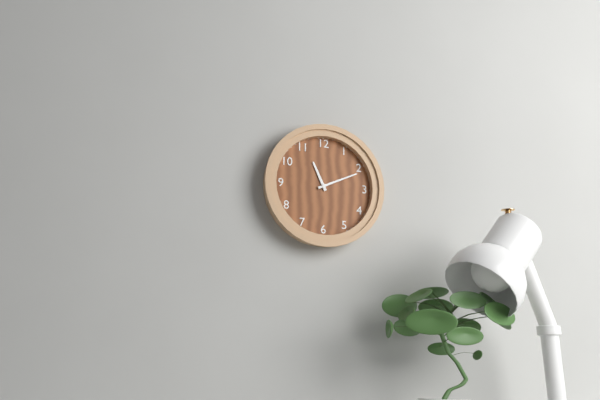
11:11
